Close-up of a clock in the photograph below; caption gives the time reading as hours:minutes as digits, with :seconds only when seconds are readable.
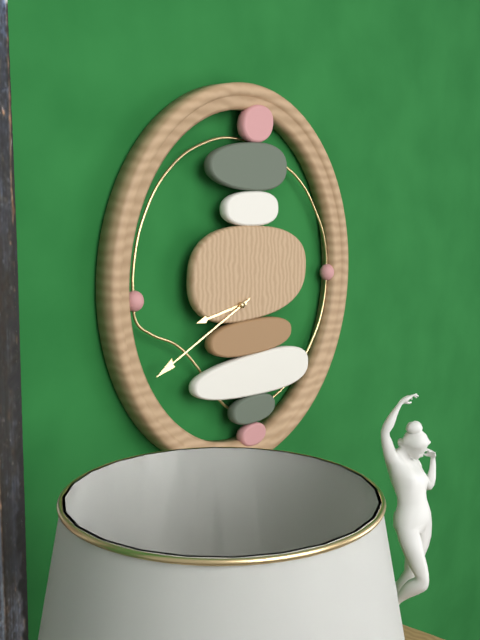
8:41
